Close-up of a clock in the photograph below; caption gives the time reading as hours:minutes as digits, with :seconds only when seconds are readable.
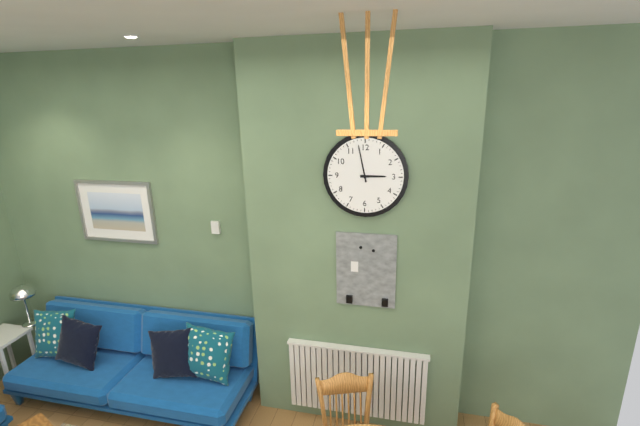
2:58
